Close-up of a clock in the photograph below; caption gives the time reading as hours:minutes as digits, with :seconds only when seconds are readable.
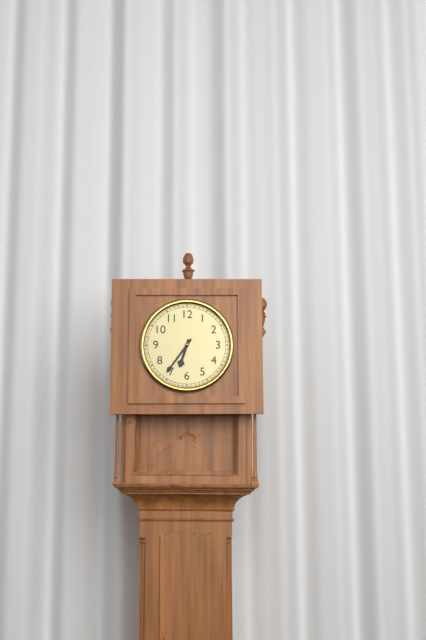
6:36
